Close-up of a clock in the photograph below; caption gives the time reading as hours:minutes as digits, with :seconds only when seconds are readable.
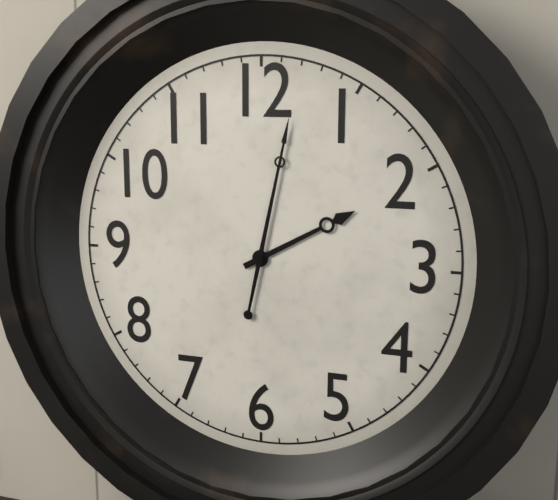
2:02
